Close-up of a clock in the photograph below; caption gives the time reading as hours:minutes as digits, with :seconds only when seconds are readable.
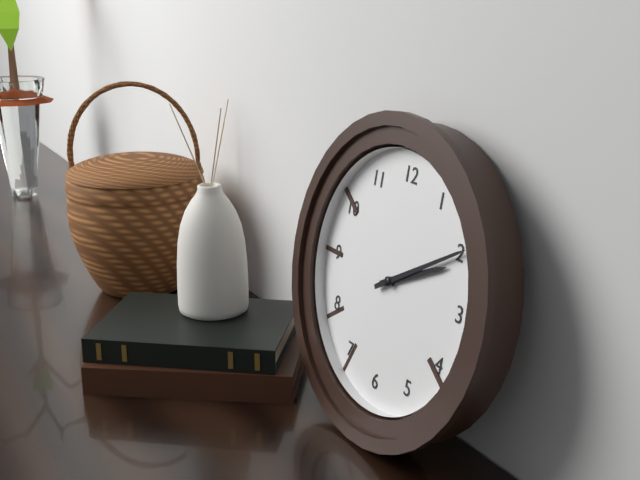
2:10
